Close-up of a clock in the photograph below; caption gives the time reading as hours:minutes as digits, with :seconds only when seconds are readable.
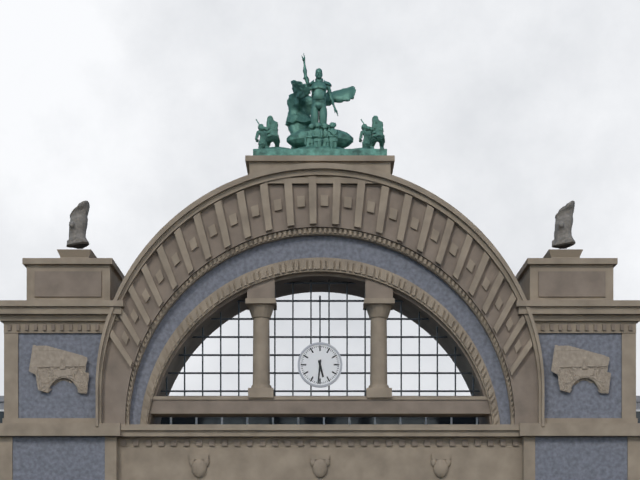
5:31
